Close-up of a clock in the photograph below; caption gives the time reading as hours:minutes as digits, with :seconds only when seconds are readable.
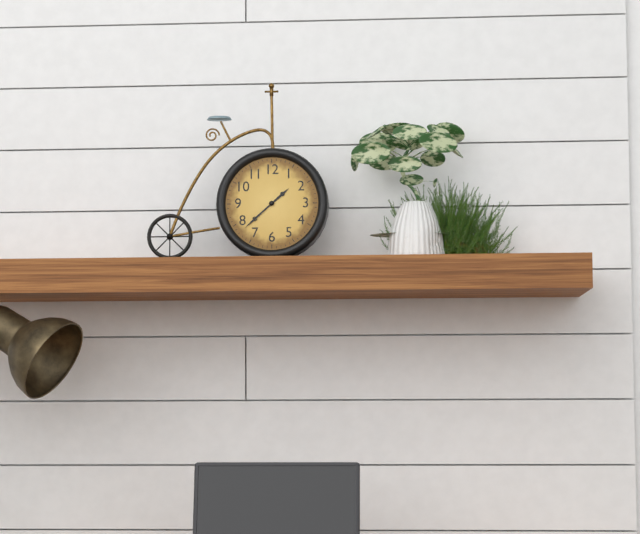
1:38
